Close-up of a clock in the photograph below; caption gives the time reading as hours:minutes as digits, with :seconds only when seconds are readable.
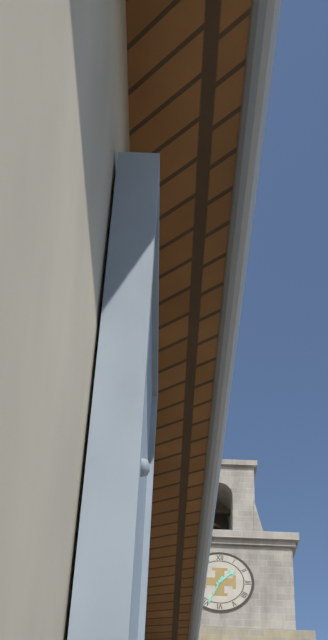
1:34
